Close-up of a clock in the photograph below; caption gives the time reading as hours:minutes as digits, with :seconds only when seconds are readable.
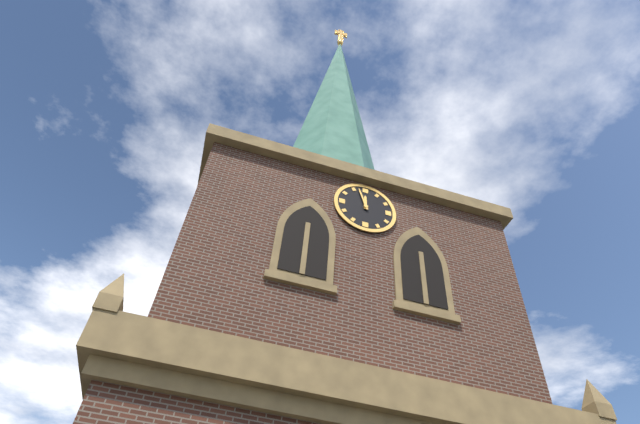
11:57
